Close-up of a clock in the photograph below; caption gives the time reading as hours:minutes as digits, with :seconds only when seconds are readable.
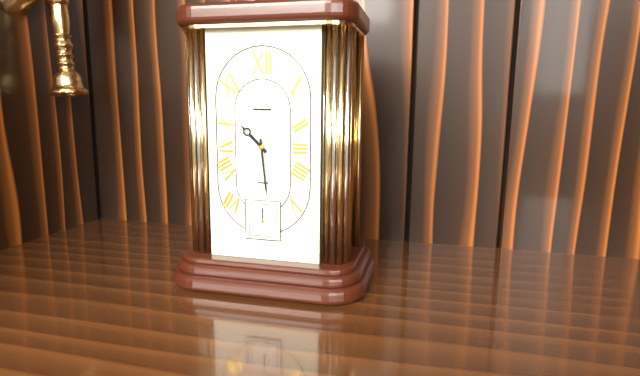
10:29
